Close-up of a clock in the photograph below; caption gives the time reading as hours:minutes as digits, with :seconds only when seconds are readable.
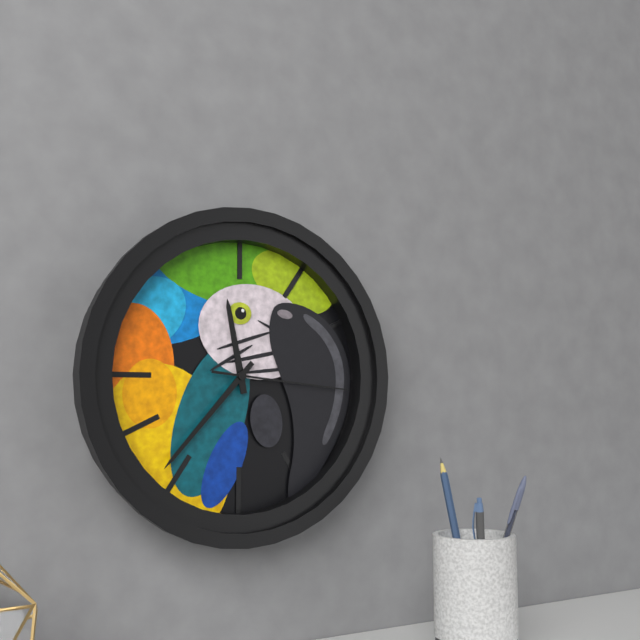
11:37:16
